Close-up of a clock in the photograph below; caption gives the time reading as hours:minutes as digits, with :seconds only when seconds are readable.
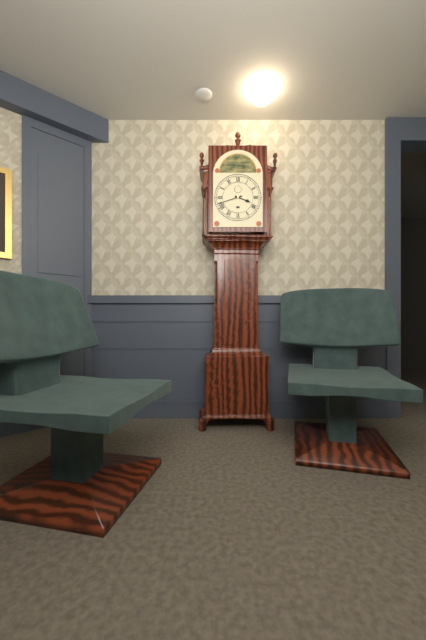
3:42
